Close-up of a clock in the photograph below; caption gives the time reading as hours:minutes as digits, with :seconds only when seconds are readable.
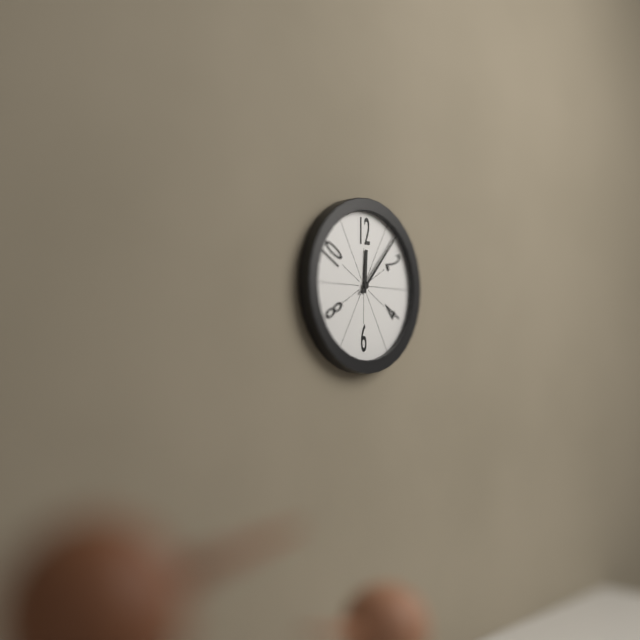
12:07
